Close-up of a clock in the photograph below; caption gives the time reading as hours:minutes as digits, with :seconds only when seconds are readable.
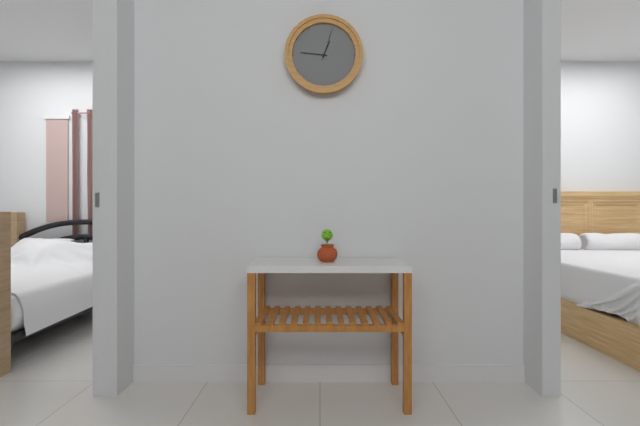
12:46
